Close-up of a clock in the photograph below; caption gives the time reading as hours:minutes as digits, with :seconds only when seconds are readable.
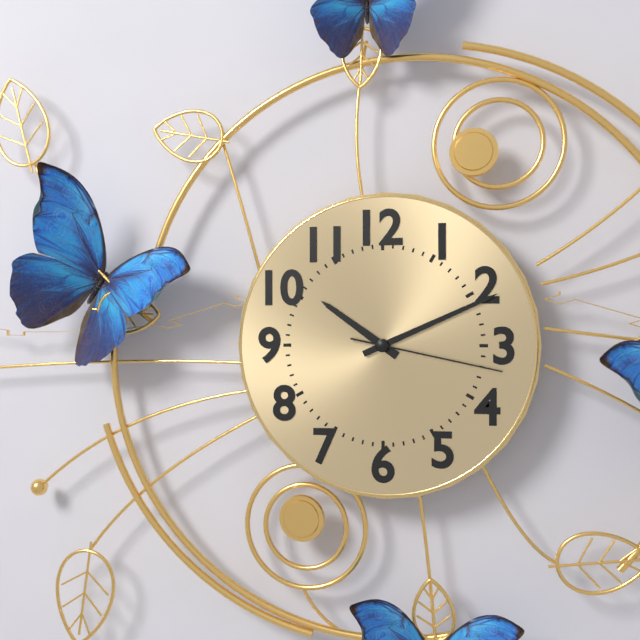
10:11:17
